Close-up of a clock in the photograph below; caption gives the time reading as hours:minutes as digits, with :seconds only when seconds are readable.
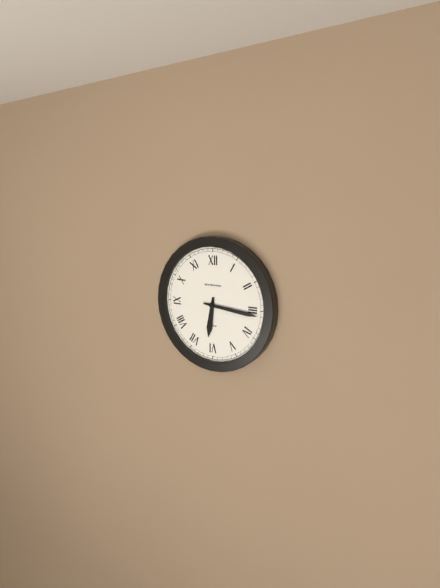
6:16
